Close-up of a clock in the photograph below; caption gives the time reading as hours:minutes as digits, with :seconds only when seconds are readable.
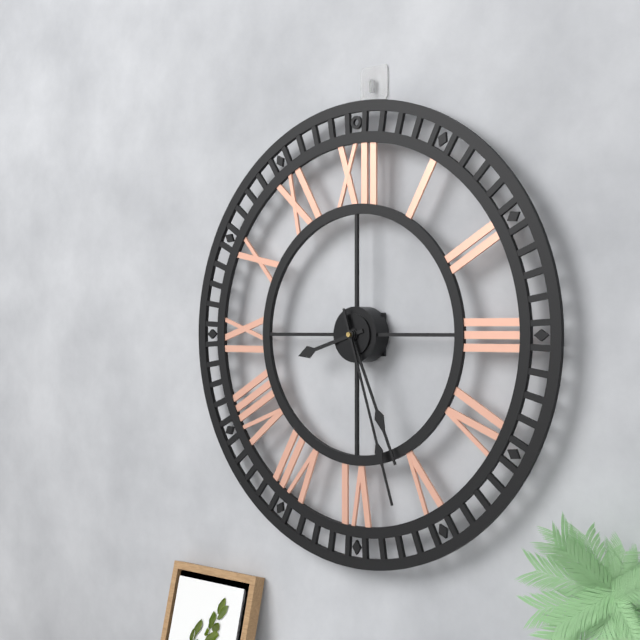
8:26:27
